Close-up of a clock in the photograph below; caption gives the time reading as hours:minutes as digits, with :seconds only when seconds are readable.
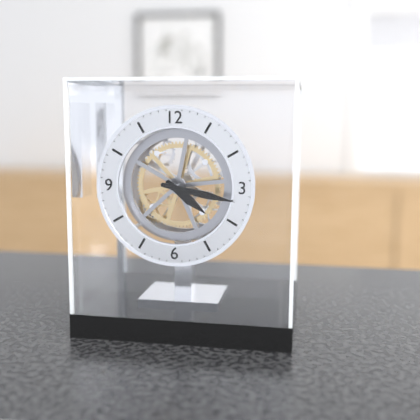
4:17
